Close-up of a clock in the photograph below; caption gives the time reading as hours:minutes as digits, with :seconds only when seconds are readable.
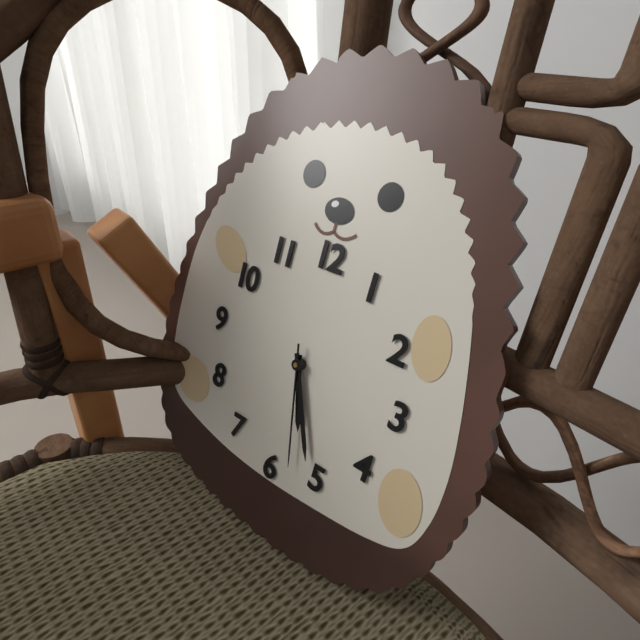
5:26:28
